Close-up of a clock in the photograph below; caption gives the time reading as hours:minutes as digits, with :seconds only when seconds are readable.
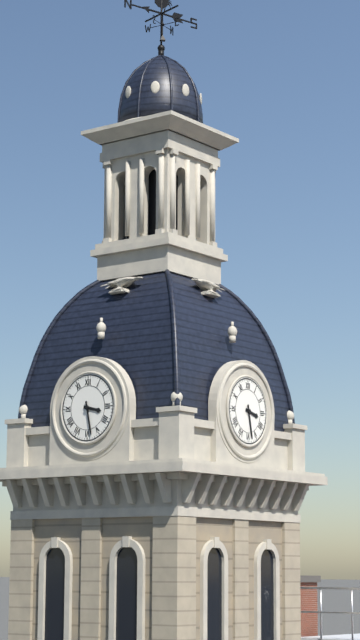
3:28
